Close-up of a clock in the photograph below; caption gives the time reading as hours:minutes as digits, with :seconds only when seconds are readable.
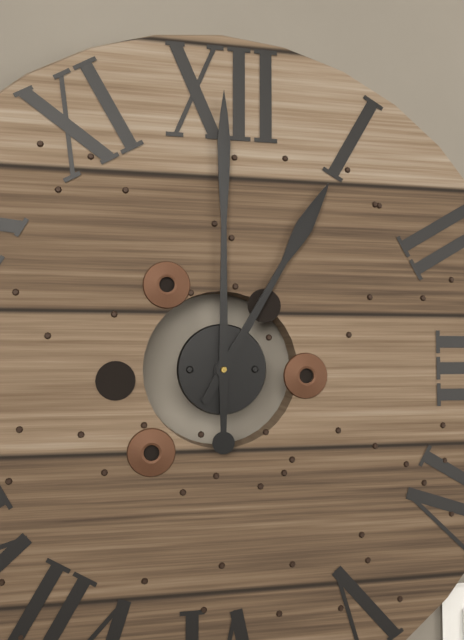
1:00
